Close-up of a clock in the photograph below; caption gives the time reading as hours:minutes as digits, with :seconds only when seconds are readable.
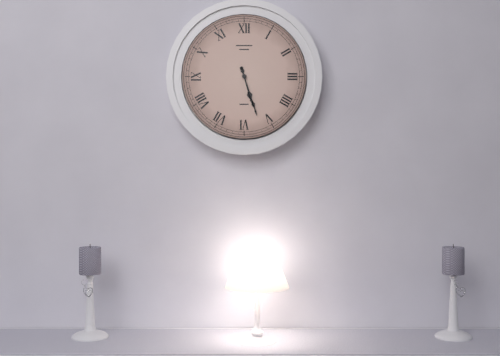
5:27
